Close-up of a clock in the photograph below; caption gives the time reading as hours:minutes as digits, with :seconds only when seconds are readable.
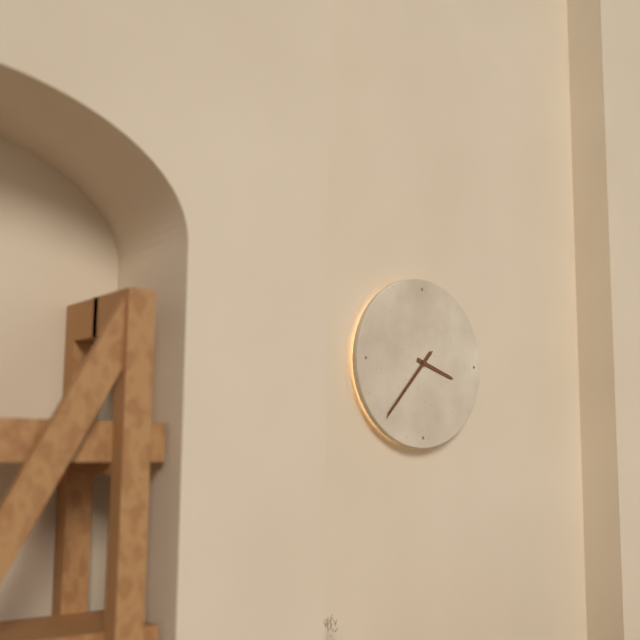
3:37:37
